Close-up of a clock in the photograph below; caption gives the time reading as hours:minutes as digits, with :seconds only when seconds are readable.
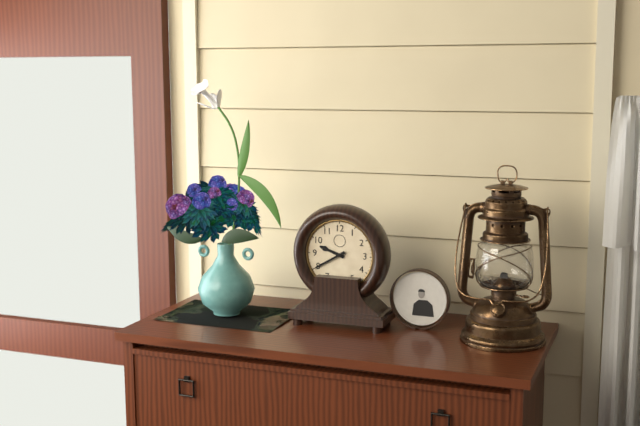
9:40
